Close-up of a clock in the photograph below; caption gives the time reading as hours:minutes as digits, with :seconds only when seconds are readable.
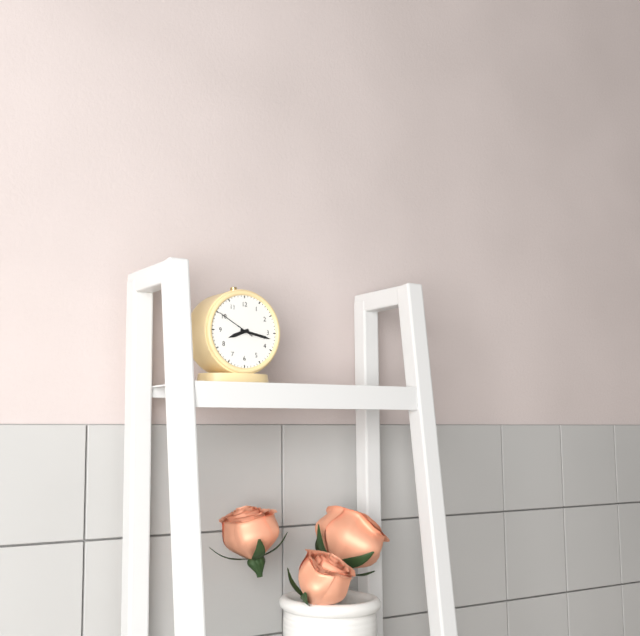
8:17
